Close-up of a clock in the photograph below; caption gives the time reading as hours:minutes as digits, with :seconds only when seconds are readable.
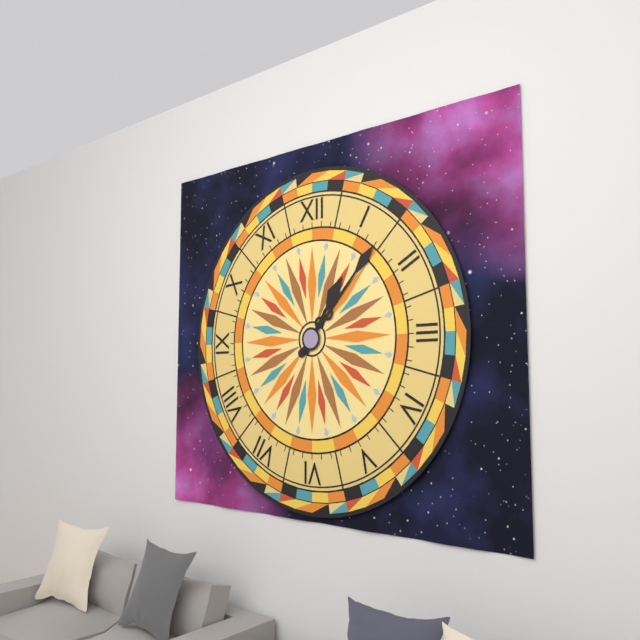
1:07
